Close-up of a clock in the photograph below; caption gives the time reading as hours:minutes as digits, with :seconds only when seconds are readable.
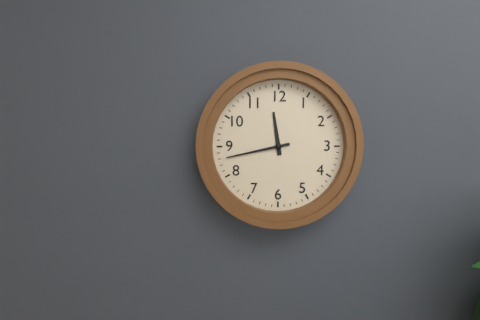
11:43
